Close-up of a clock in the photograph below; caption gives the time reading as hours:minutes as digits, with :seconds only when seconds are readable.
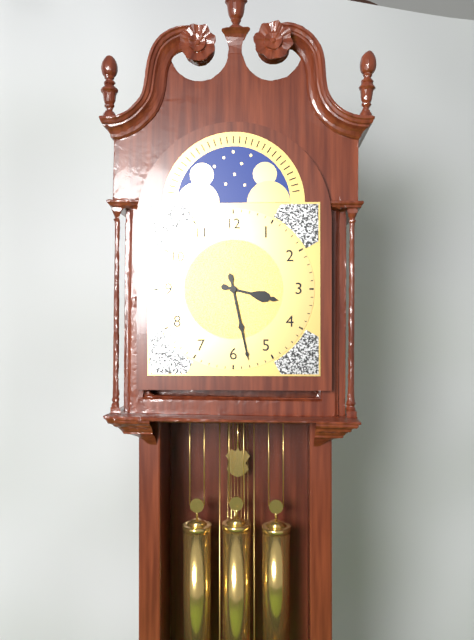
3:28
